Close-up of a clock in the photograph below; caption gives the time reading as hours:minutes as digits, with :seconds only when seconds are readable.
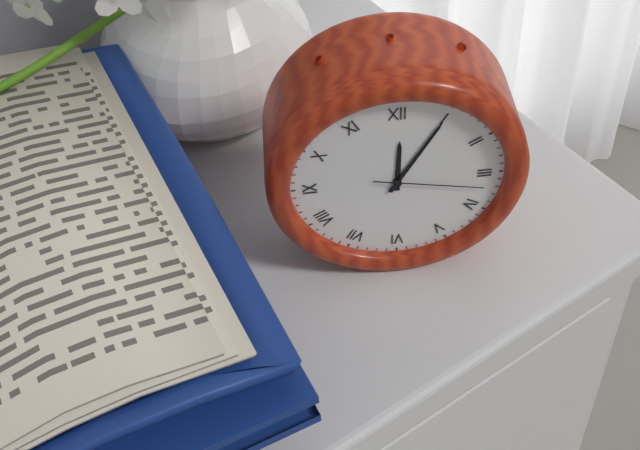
12:05:17
